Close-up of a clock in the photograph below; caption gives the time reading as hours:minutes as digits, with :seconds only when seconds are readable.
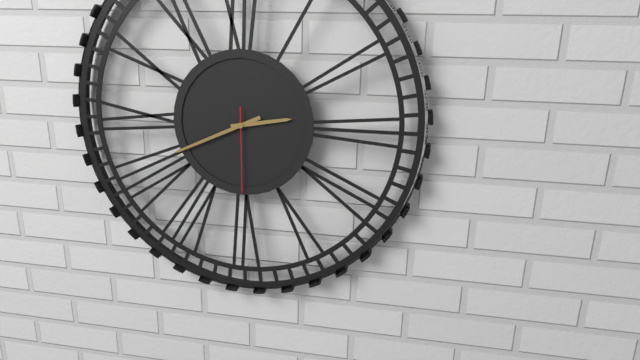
2:41:30
